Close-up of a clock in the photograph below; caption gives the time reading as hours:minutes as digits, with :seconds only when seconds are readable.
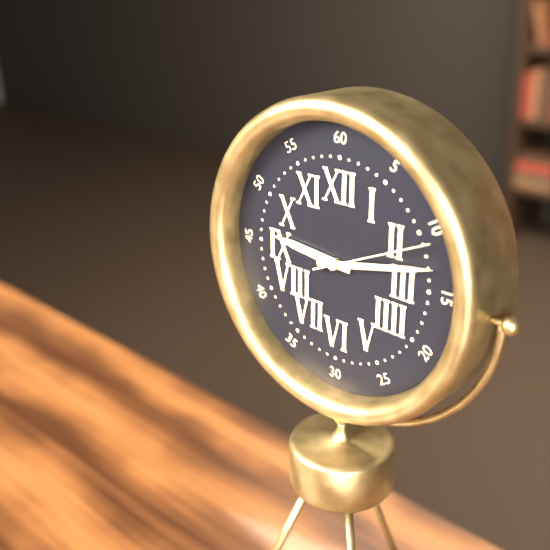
9:13:11
